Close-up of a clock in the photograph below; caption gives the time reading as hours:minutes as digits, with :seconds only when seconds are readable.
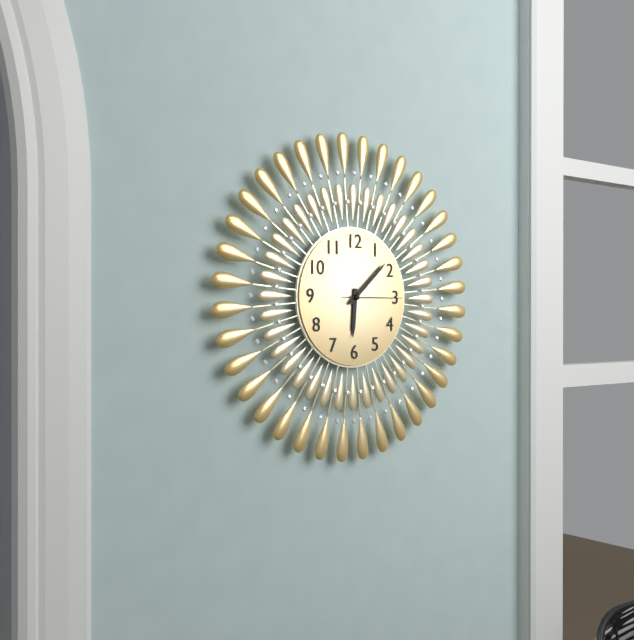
6:08:15
